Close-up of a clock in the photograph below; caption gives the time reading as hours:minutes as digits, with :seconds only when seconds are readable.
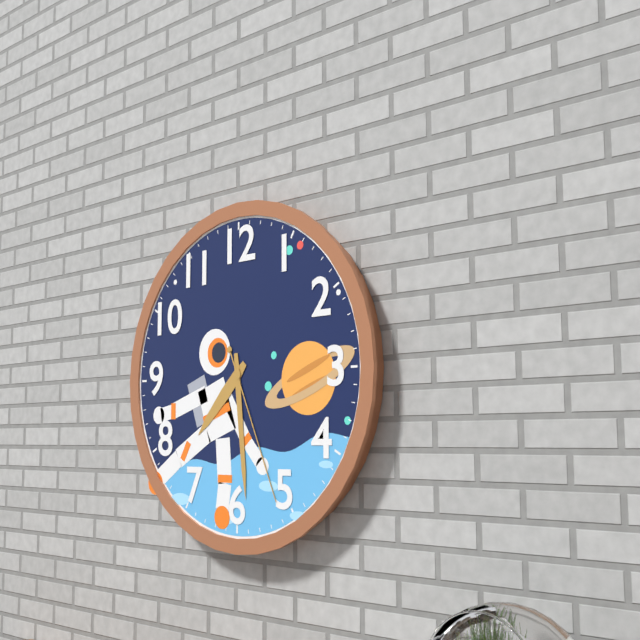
7:29:26
